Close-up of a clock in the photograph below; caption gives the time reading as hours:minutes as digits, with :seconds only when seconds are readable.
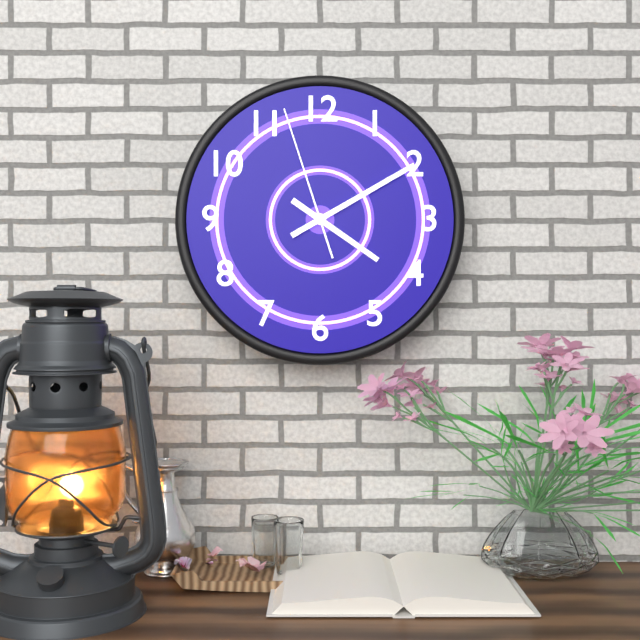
4:10:57
